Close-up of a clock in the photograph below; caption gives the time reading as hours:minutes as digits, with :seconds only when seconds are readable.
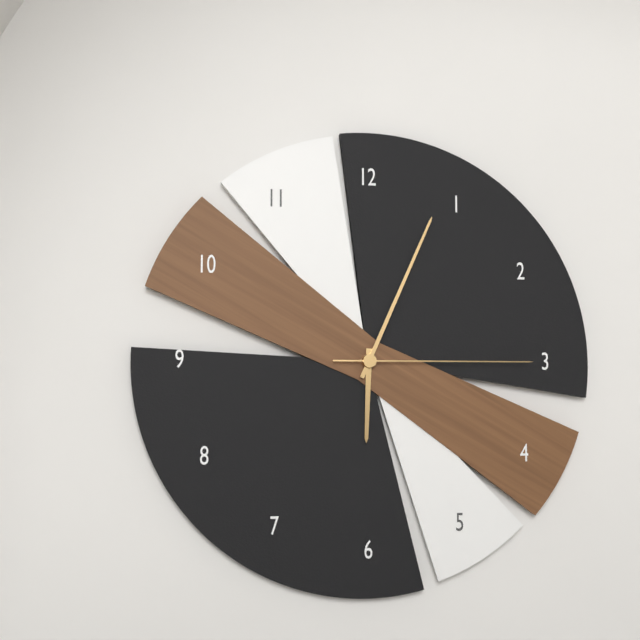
6:04:15
